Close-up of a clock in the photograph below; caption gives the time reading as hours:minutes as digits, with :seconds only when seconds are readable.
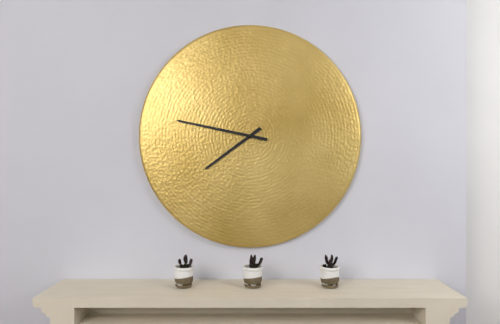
7:47
